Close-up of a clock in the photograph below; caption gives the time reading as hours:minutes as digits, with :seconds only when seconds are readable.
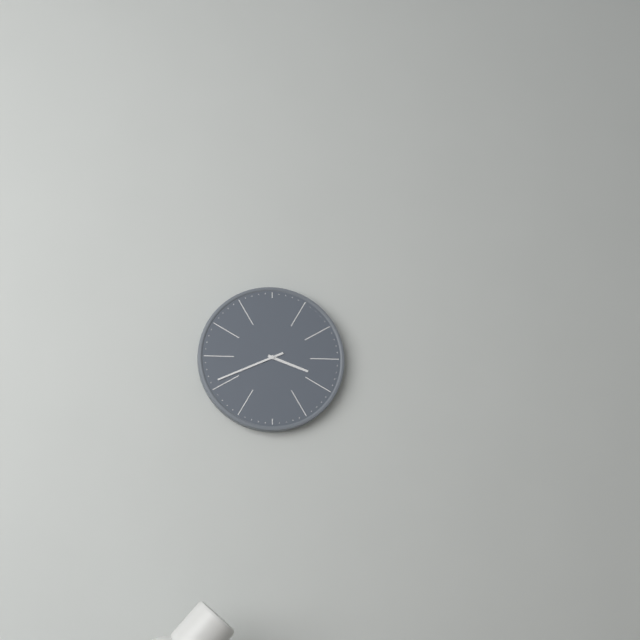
3:41
